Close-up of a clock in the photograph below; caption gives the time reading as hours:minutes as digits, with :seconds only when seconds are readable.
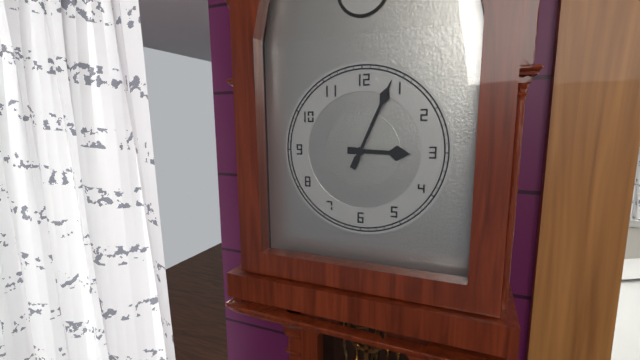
3:04
